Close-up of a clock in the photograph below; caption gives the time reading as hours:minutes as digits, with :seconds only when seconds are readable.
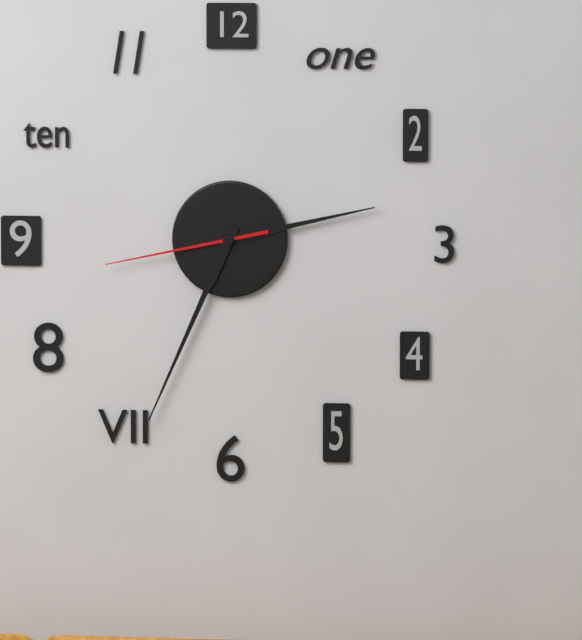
2:34:43
